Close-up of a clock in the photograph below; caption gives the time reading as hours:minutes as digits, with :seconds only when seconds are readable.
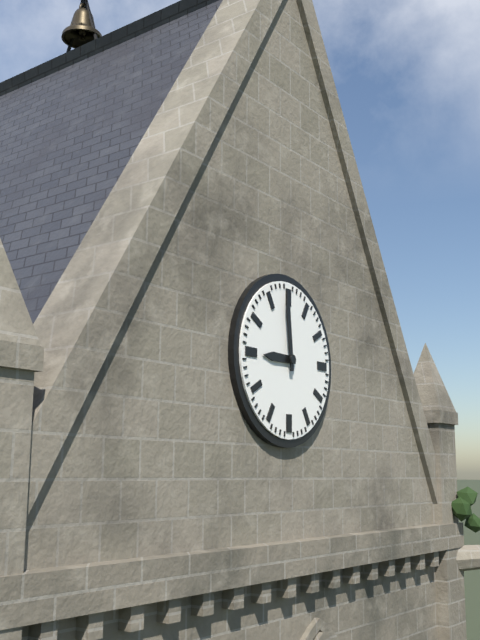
8:59
